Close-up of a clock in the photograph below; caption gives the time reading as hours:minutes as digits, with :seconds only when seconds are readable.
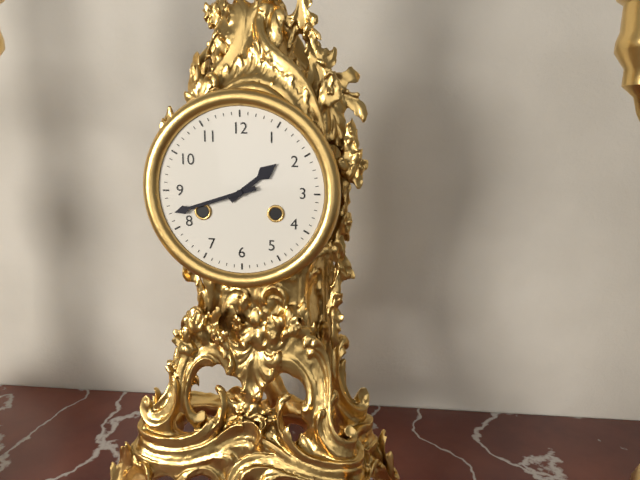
1:42
